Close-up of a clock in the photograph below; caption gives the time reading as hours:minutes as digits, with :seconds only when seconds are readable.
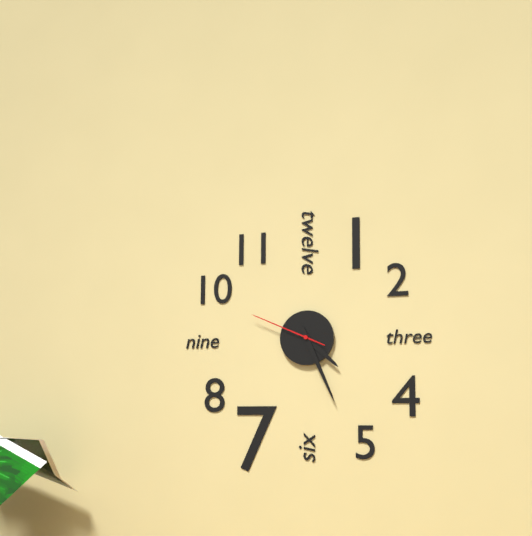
4:26:49
